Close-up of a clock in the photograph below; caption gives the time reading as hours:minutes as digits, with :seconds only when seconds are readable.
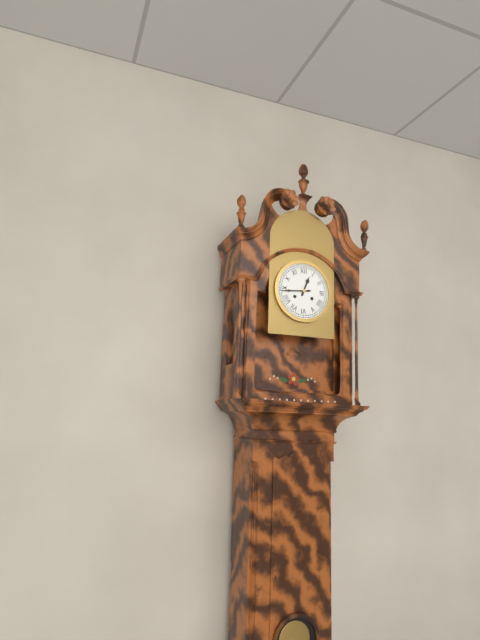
12:44
